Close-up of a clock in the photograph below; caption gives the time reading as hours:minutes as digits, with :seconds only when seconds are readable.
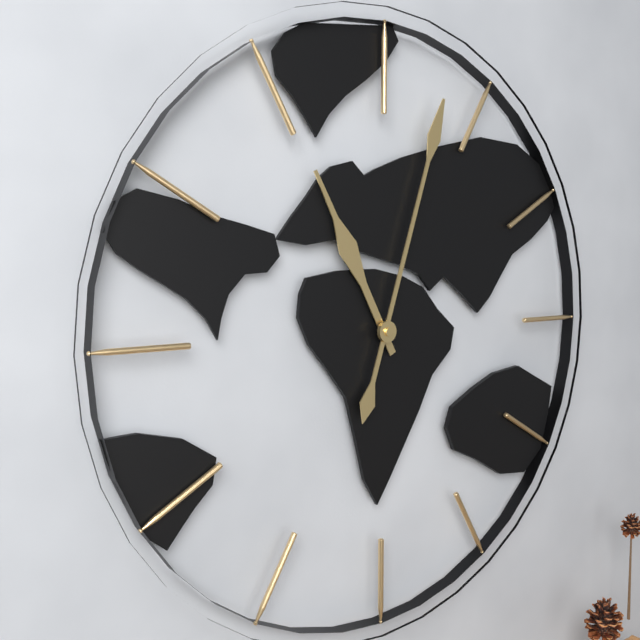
11:03
